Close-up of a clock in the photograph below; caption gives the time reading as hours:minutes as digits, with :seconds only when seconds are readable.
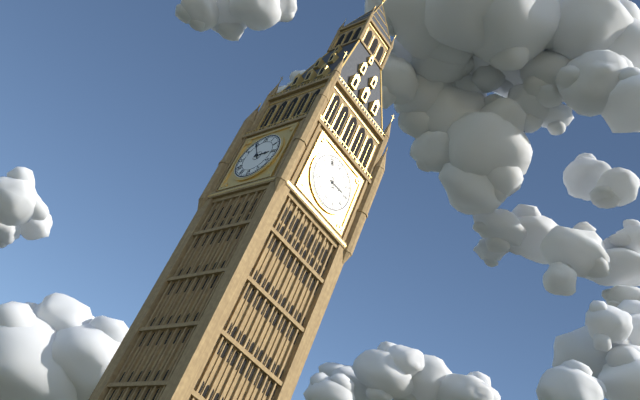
2:55
